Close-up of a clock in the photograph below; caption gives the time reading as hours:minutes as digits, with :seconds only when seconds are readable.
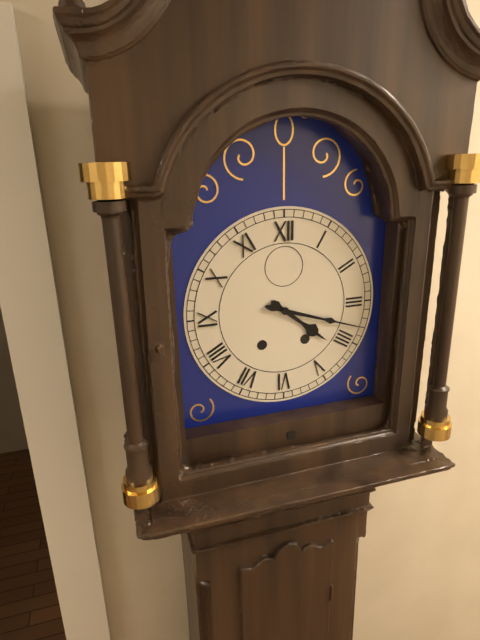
4:18
